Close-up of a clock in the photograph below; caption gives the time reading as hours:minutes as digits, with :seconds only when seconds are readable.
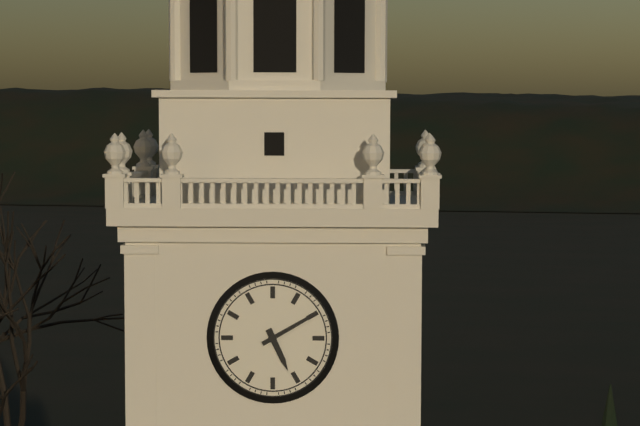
5:10
